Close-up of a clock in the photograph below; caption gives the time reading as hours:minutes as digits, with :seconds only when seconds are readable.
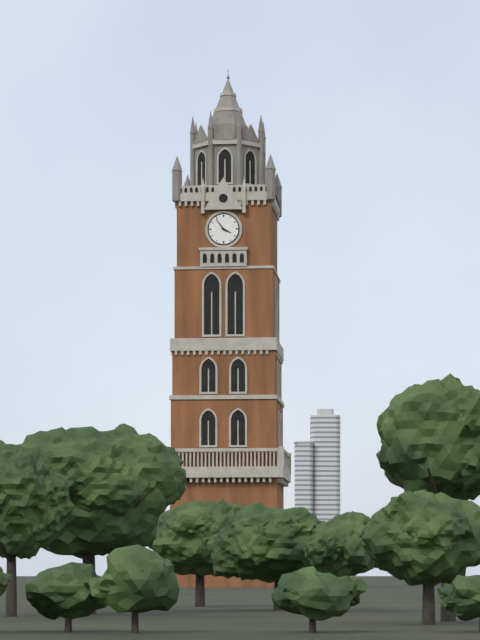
3:54
